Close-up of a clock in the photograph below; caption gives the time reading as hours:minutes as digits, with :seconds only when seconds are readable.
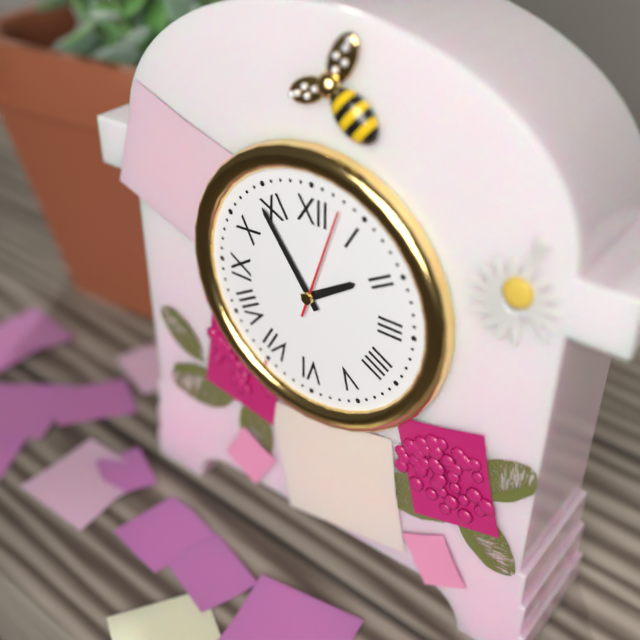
1:54:03
